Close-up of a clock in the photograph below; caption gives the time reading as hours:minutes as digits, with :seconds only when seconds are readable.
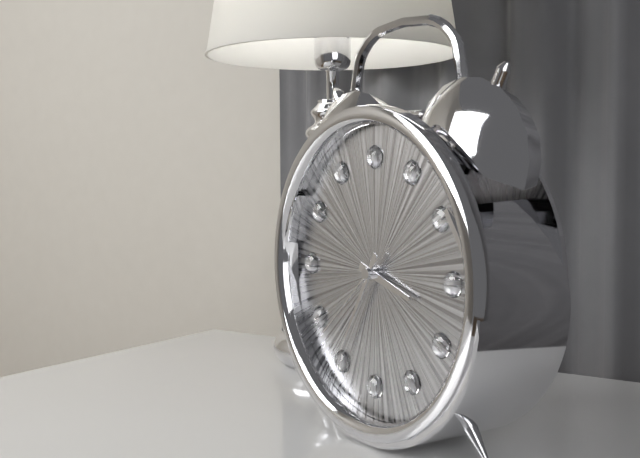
3:35:38
